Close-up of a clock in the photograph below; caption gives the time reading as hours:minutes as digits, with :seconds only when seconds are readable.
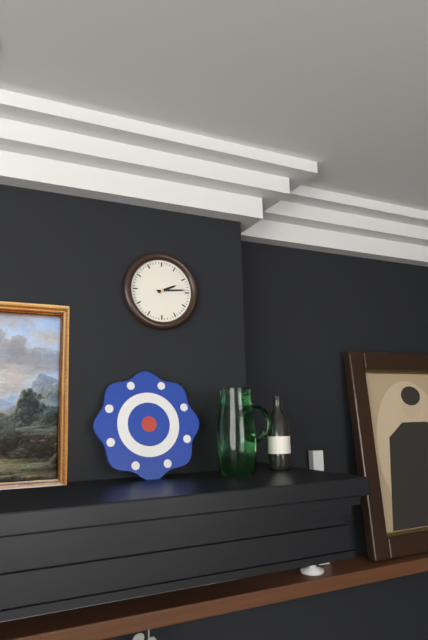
2:14
